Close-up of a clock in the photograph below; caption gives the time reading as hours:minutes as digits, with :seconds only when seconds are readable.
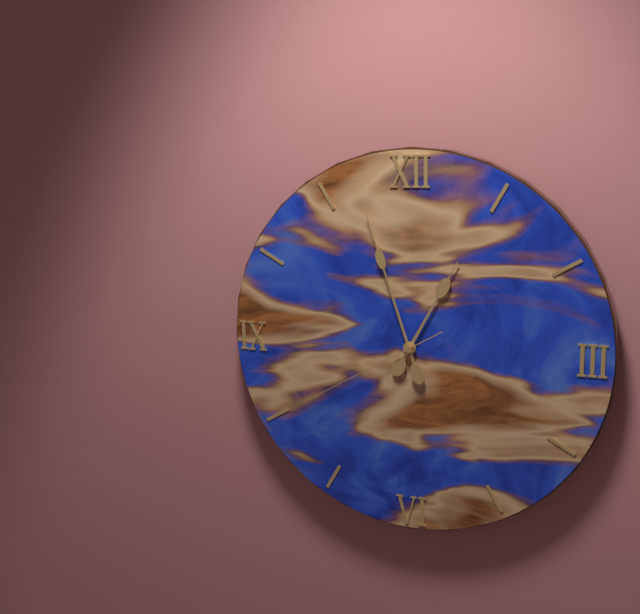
12:57:40
